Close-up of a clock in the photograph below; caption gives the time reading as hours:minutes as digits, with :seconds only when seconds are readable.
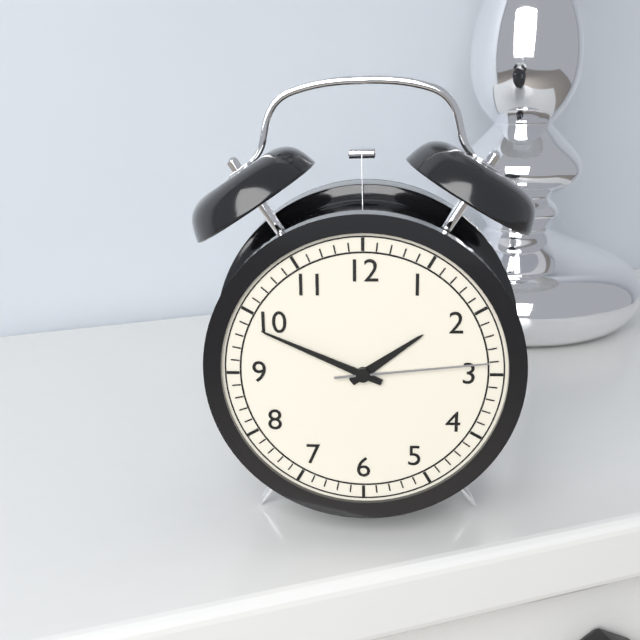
1:49:14
